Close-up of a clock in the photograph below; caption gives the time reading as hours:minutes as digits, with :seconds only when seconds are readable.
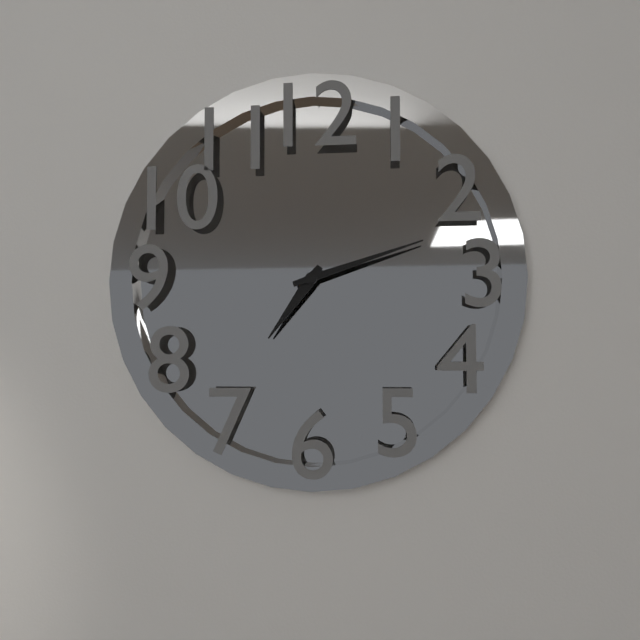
7:12
